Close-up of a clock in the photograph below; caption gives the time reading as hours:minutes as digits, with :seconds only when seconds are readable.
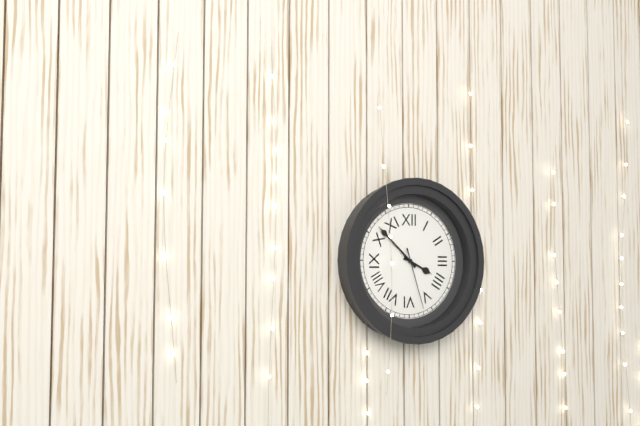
3:52:27
